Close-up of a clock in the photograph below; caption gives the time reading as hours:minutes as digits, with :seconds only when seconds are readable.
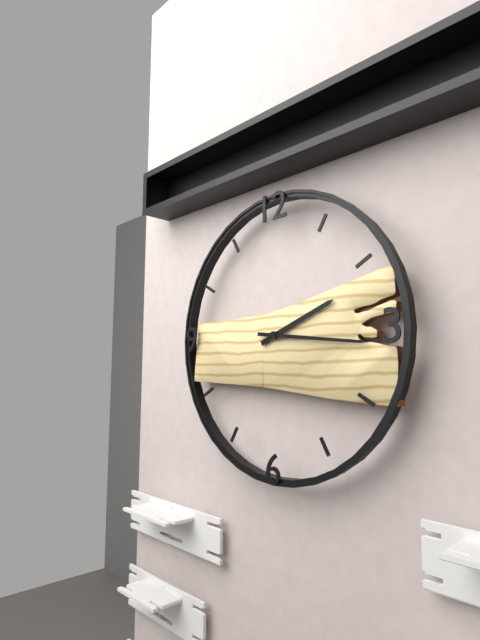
2:16
